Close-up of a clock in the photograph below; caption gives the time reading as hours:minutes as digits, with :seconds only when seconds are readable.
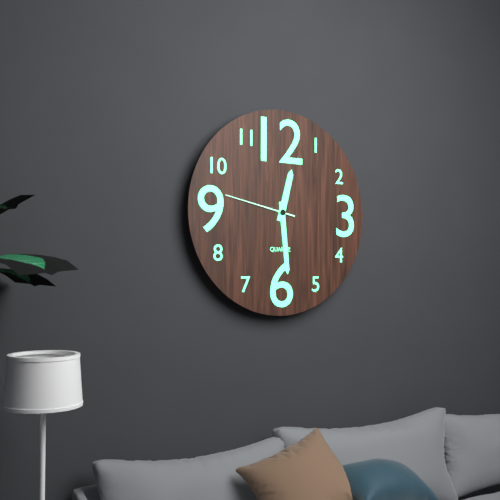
12:29:47
